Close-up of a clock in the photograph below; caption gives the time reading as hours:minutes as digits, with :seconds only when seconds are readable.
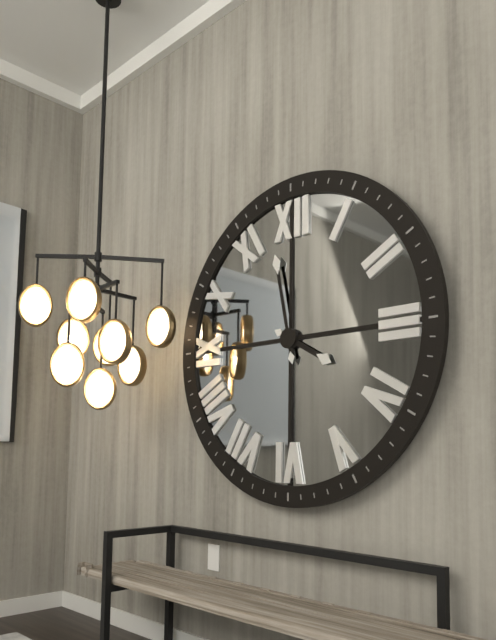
3:58
